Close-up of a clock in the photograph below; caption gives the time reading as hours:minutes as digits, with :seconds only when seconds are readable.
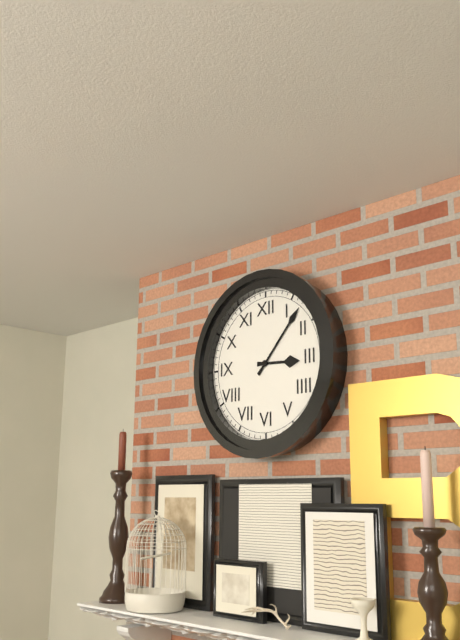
3:07
